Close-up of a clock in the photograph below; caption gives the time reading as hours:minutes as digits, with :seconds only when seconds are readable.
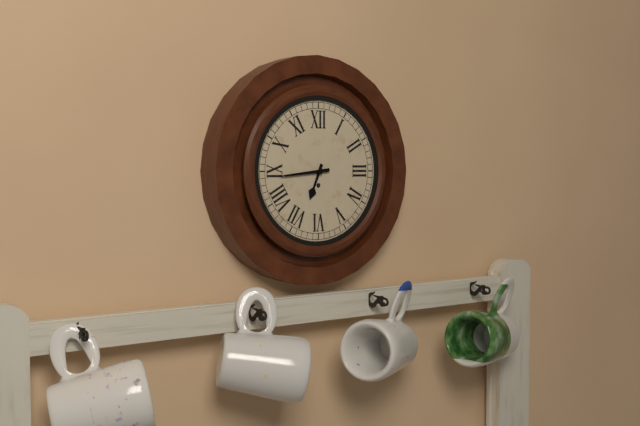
6:44
